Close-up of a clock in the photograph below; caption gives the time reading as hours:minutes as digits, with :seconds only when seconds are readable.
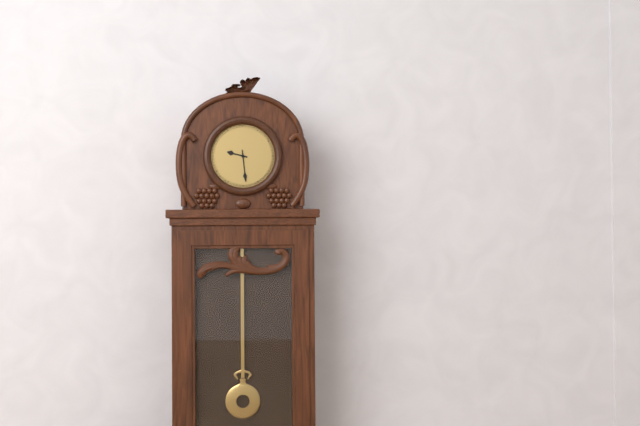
9:29
